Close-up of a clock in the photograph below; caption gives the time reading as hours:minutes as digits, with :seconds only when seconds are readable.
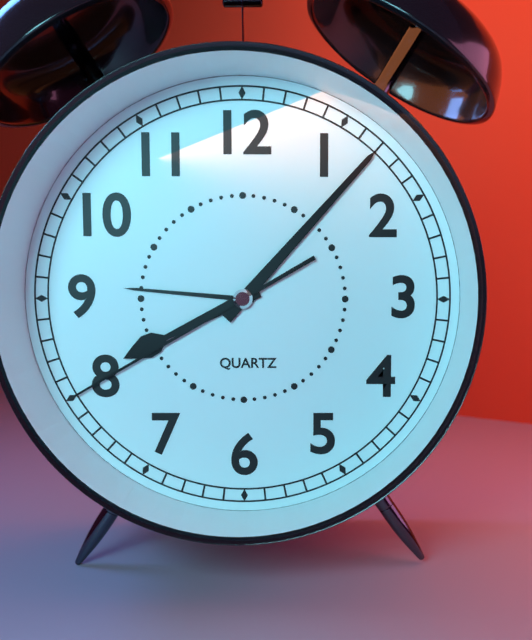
8:07:40
